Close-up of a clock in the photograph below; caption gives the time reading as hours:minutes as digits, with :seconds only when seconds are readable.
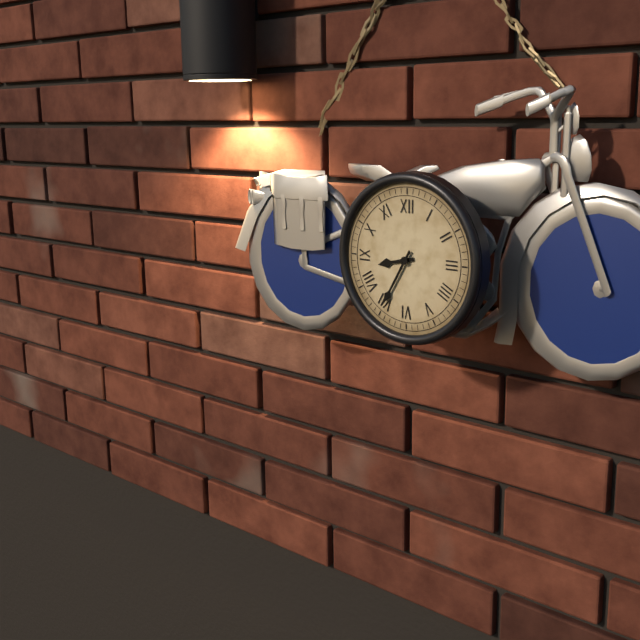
8:35
